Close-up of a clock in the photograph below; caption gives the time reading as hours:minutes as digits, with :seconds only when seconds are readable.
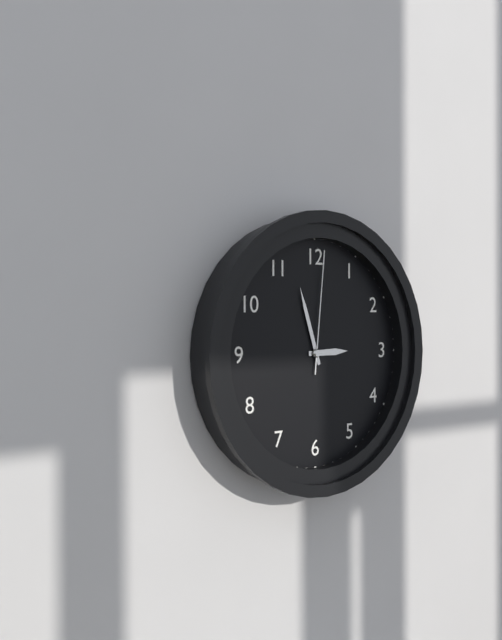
2:57:01
